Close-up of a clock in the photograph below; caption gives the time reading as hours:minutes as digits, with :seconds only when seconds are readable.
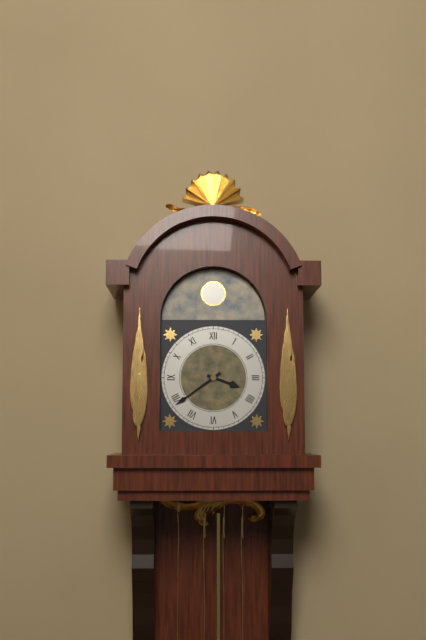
3:39
